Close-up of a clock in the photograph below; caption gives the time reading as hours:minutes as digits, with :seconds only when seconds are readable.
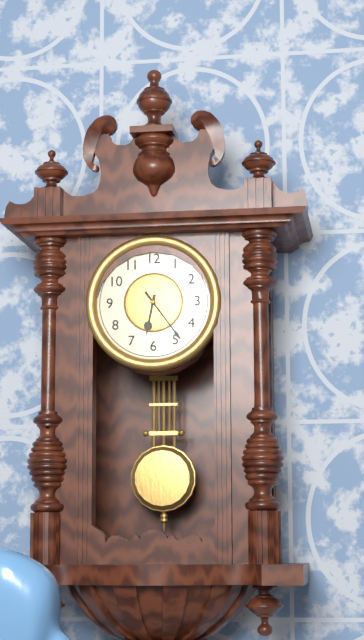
6:24
